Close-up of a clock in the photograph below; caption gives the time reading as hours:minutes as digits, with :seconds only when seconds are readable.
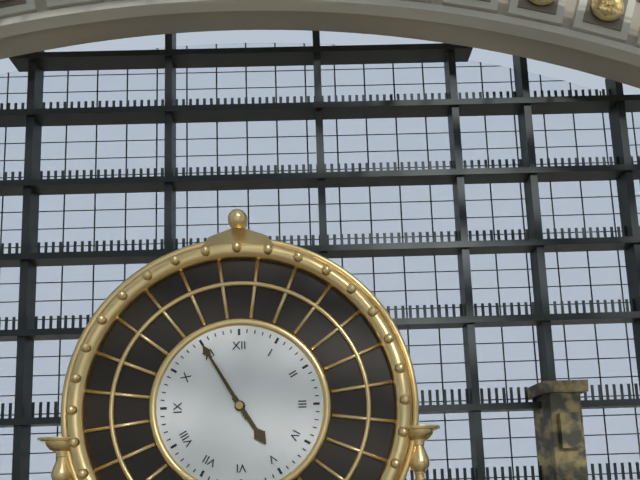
4:55
